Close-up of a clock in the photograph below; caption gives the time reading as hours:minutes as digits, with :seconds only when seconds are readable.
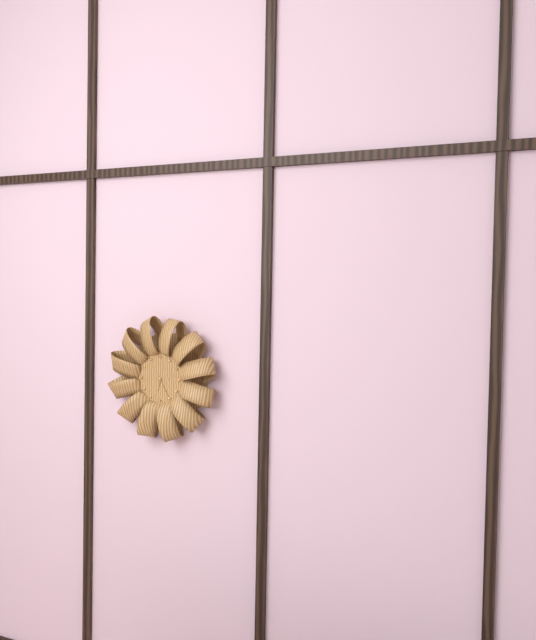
6:25
